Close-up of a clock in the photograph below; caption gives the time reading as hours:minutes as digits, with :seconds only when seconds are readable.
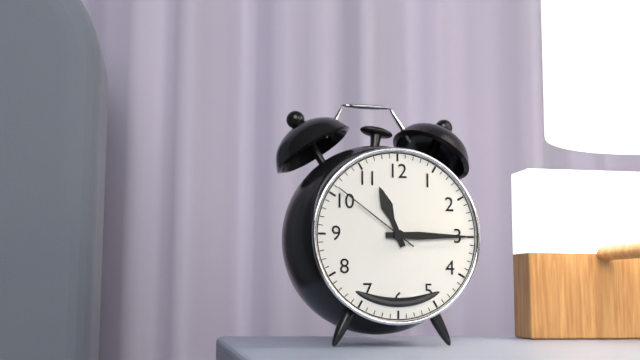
11:15:51
